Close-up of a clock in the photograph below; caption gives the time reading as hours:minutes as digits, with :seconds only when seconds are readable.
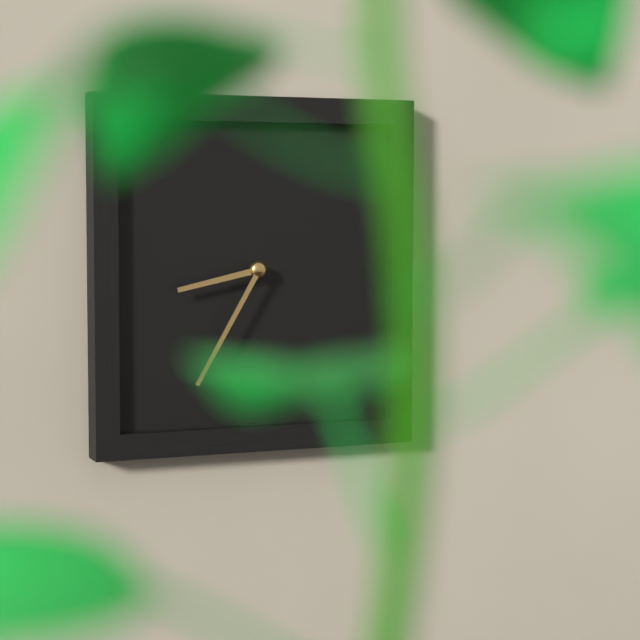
8:35
